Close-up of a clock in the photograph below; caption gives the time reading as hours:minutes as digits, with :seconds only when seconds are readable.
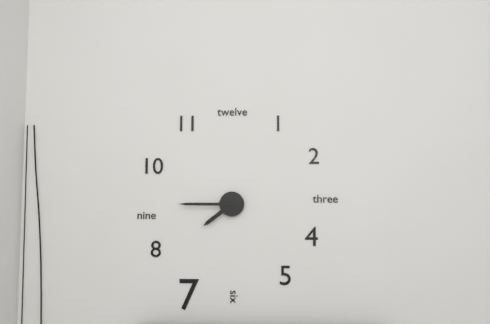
7:45
